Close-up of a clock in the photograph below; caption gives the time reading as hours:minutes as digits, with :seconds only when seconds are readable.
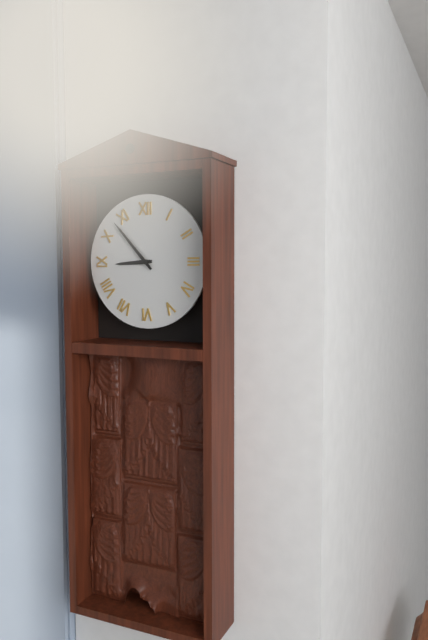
8:53
